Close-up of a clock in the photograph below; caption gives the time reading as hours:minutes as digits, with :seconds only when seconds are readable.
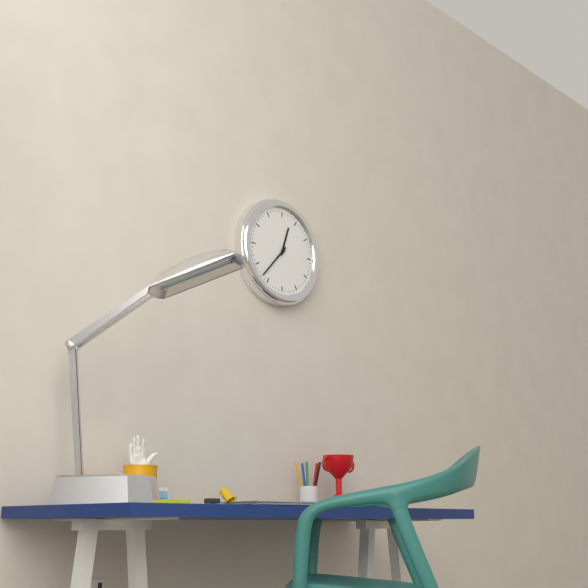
12:37
